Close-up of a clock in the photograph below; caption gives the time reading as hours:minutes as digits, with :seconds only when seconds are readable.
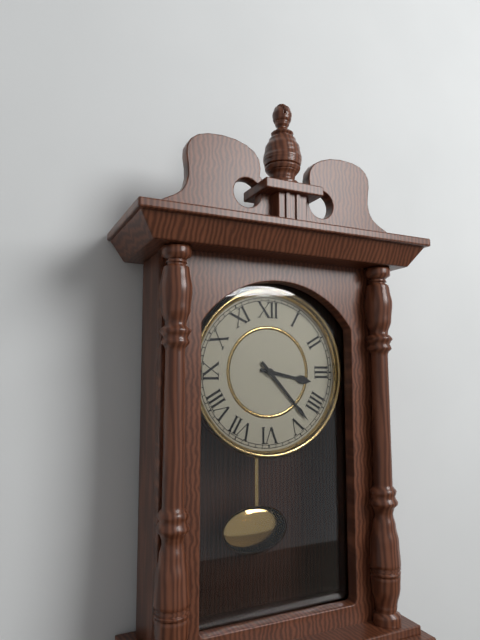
3:23
